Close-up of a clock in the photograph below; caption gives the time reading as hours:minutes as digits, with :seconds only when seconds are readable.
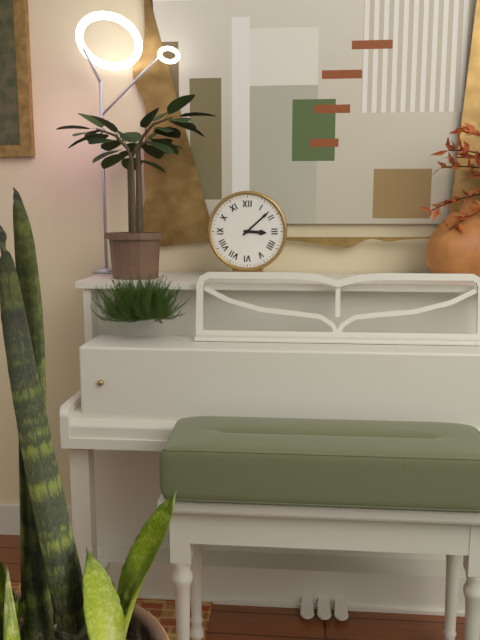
3:08
